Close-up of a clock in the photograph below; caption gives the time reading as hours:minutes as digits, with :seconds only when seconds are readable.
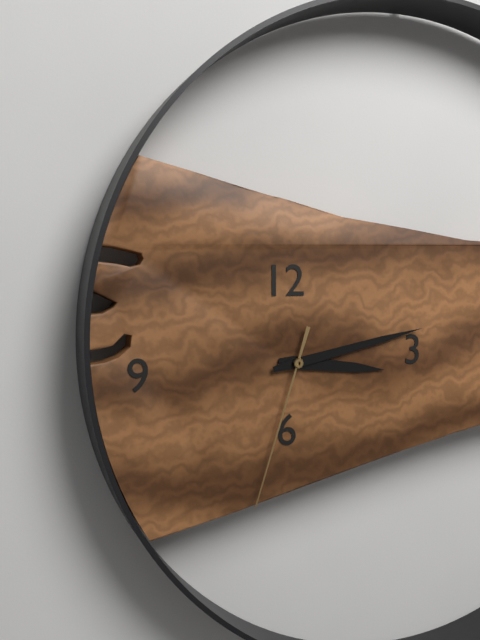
3:13:33
